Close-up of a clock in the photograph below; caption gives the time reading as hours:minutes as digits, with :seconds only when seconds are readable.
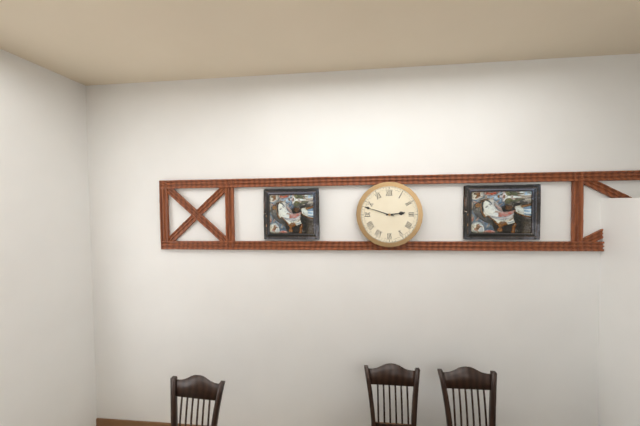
2:48
